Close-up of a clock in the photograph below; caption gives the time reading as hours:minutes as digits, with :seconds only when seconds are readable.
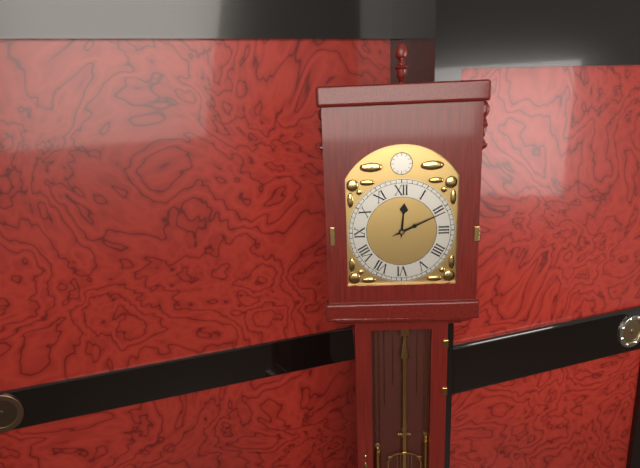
12:11
